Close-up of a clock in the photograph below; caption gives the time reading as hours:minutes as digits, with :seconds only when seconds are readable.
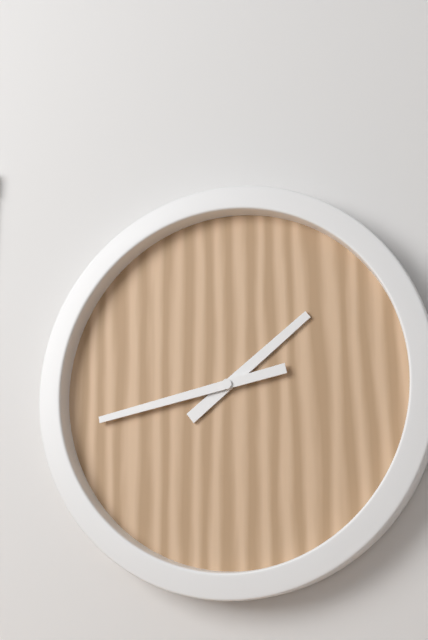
1:43
